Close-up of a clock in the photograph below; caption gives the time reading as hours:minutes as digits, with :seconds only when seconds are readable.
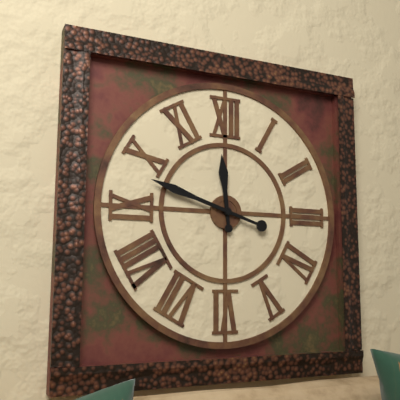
11:48
